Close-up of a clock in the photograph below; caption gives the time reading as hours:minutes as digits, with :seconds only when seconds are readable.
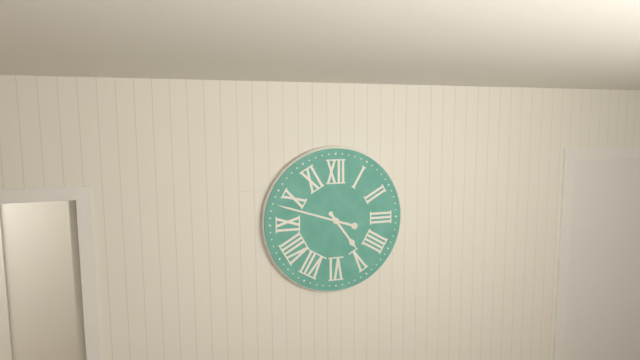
4:48
